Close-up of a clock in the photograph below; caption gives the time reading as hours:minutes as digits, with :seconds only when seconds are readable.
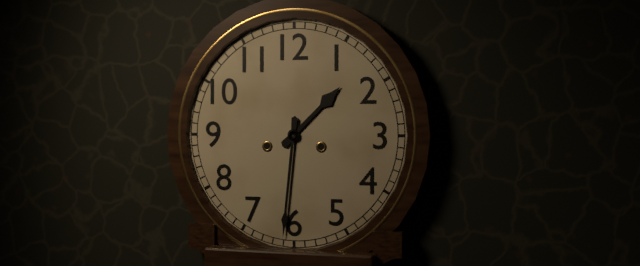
1:31
